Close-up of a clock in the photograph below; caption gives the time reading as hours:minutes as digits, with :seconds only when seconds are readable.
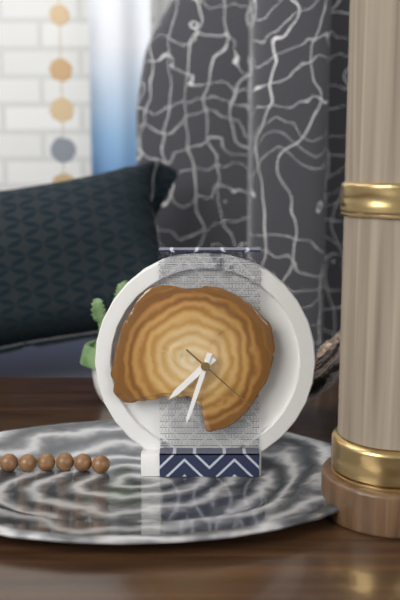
7:33:22
